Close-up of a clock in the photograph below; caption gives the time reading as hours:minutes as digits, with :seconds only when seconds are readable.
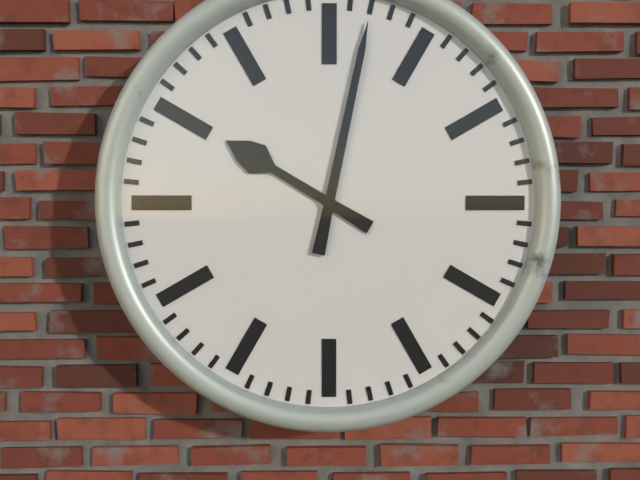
10:02
